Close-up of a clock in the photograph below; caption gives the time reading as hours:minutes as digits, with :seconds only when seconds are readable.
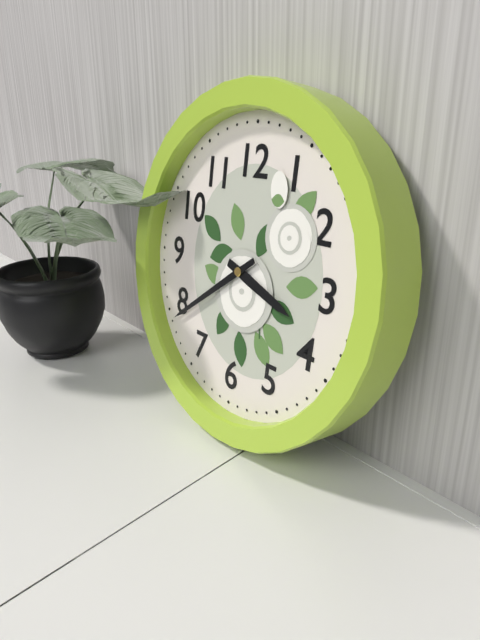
3:39
